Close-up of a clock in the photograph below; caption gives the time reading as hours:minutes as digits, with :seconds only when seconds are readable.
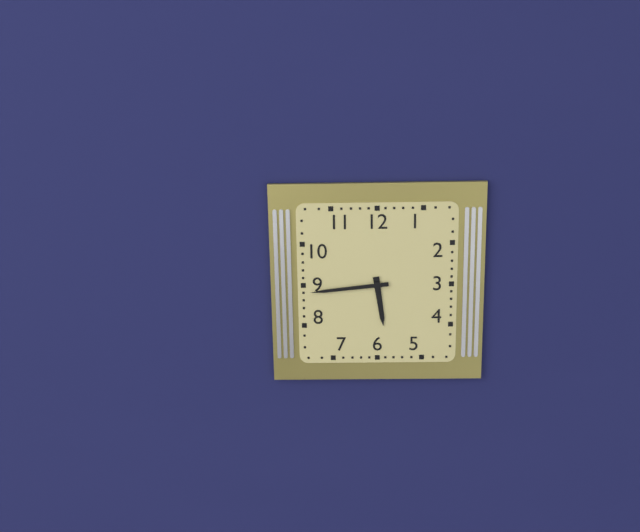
5:44
